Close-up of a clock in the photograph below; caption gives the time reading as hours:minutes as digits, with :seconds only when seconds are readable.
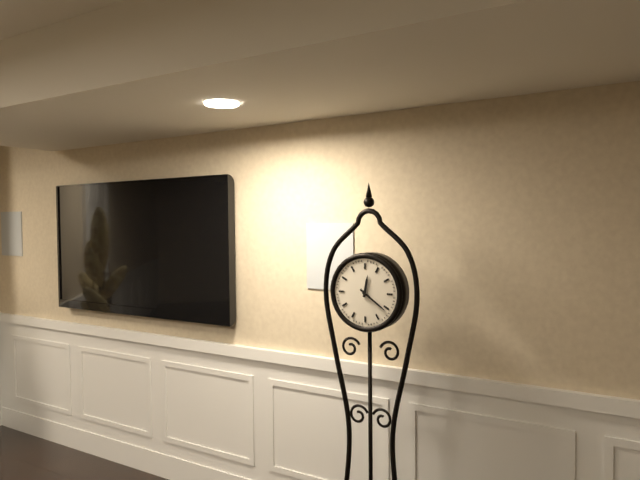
12:21
